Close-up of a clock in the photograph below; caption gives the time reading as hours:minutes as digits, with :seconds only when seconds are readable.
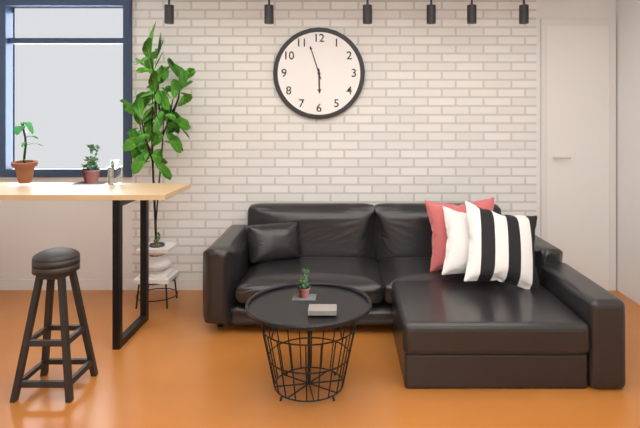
5:57
